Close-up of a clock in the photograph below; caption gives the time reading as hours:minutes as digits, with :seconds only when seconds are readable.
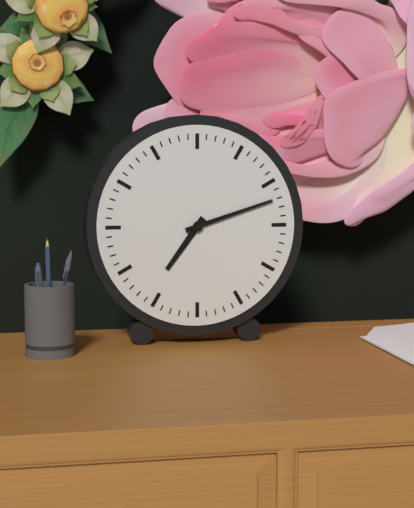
7:12
